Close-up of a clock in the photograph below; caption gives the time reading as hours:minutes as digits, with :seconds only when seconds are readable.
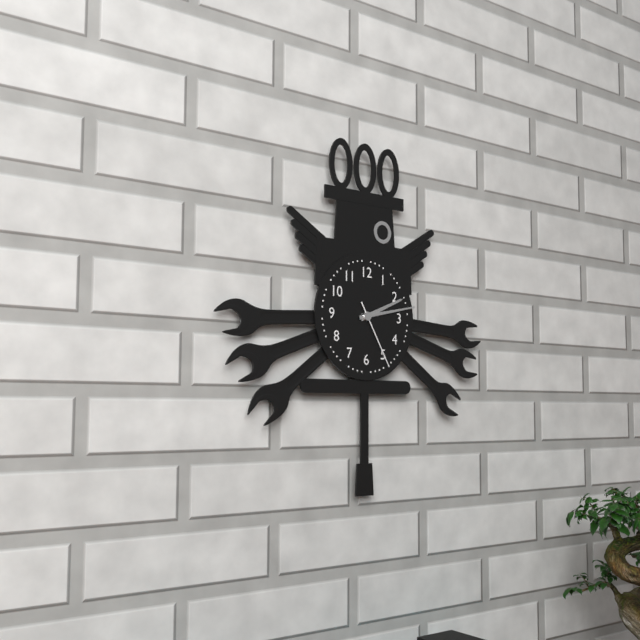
2:13:25
